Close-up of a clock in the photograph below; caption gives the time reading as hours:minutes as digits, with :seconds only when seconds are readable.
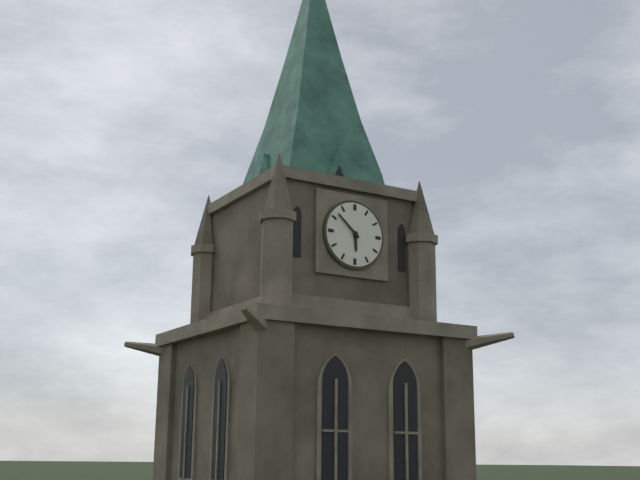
5:52
